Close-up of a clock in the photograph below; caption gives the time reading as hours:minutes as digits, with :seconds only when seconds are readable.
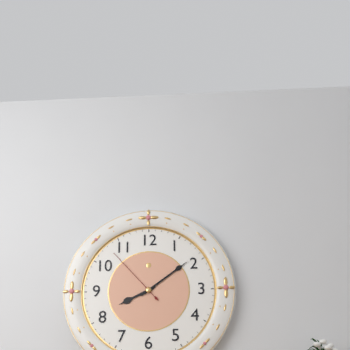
8:09:53
